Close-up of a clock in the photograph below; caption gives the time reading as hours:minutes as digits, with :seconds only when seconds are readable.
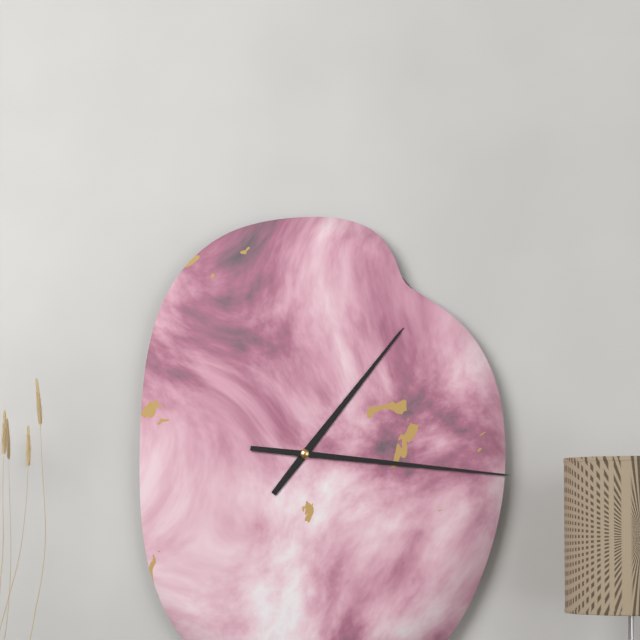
1:16
